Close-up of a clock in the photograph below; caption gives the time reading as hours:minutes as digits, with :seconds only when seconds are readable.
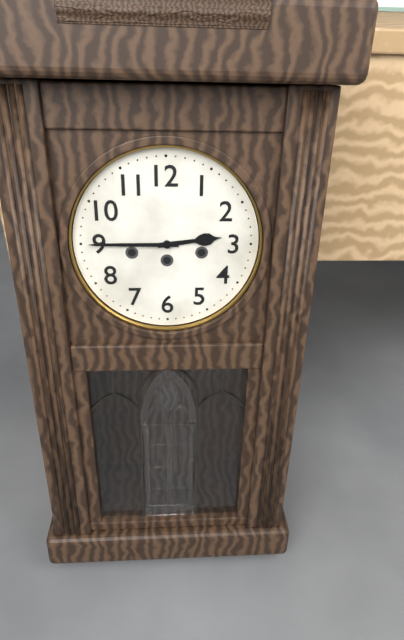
2:45
